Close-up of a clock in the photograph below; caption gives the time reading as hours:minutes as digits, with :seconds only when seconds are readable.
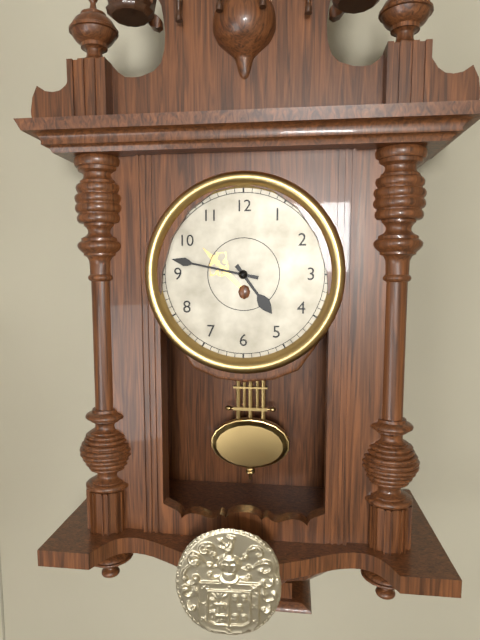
4:47
